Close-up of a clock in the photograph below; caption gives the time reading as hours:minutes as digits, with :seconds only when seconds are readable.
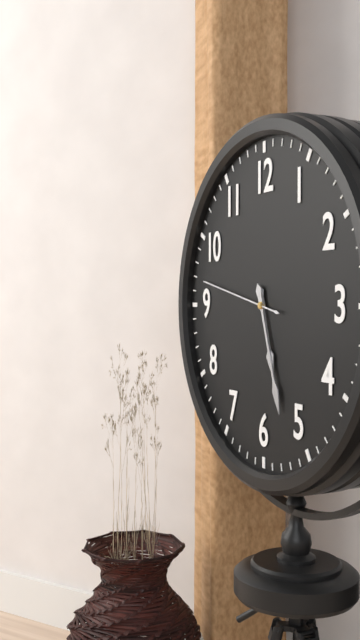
5:27:47
